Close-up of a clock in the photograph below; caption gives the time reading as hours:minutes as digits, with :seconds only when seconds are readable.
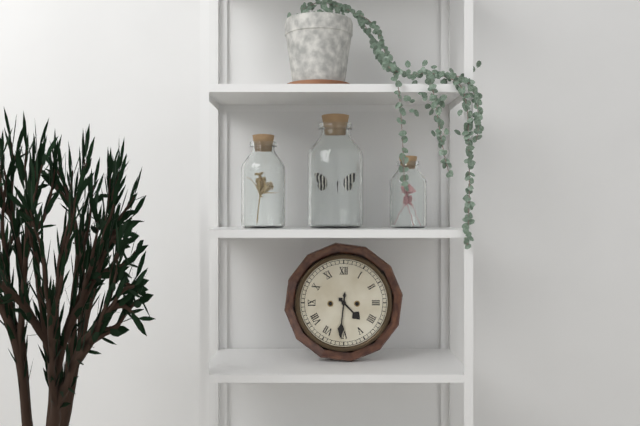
4:31
